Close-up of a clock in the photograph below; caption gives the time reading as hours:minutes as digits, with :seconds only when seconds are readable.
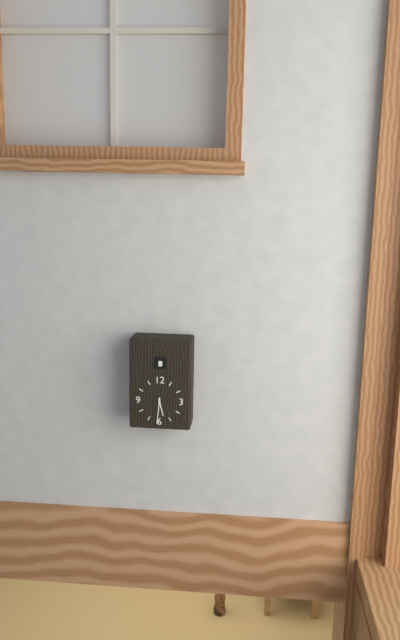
5:31
